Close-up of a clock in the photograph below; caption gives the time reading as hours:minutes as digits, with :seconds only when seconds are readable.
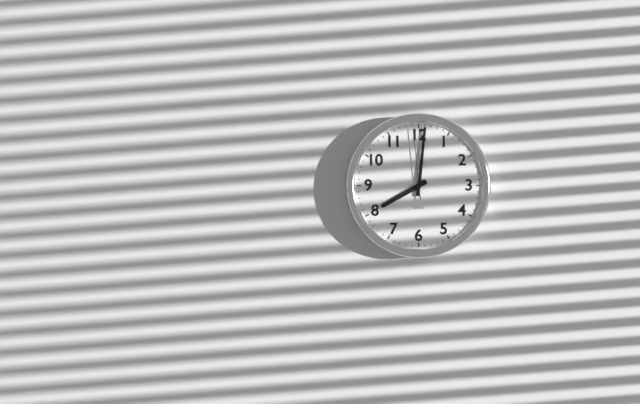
8:01:59
